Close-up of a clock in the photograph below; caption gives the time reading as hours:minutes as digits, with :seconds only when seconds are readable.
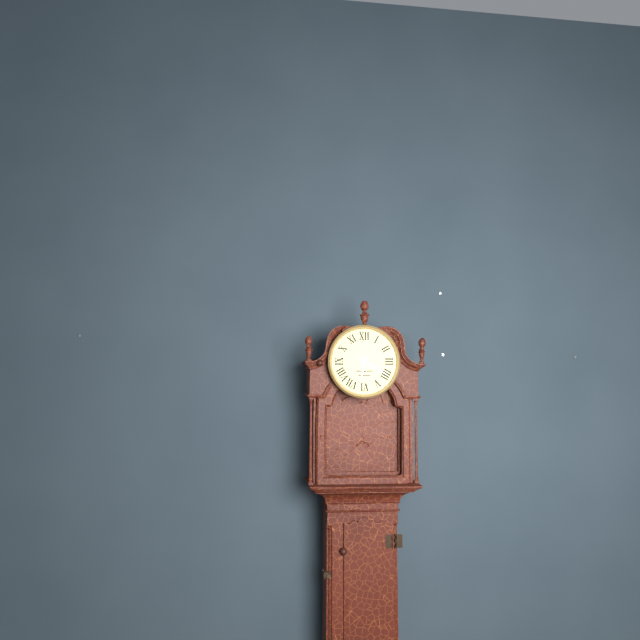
6:20
